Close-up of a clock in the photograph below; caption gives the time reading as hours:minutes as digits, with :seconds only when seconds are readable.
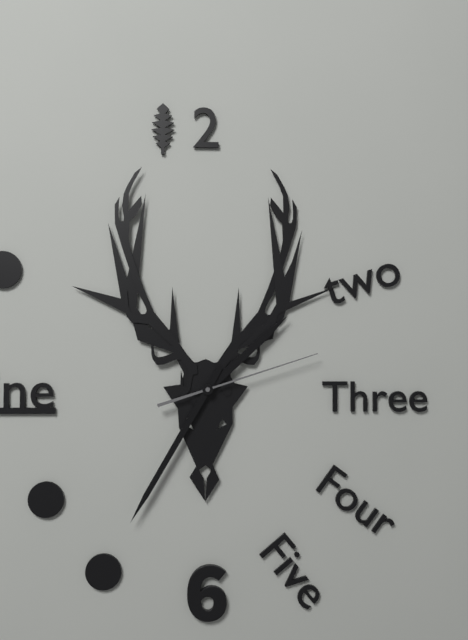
1:35:12
